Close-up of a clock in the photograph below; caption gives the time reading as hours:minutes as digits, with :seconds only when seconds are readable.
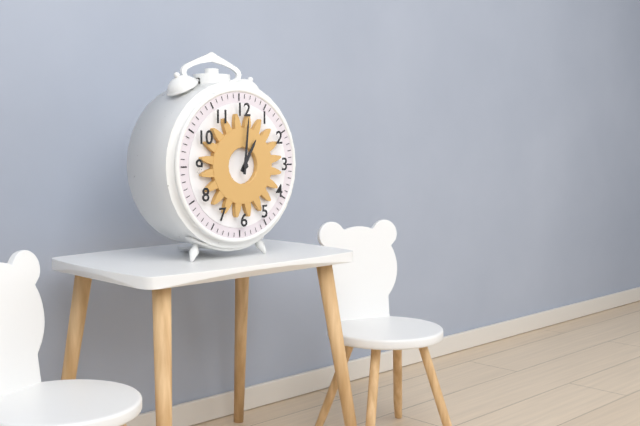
1:01
